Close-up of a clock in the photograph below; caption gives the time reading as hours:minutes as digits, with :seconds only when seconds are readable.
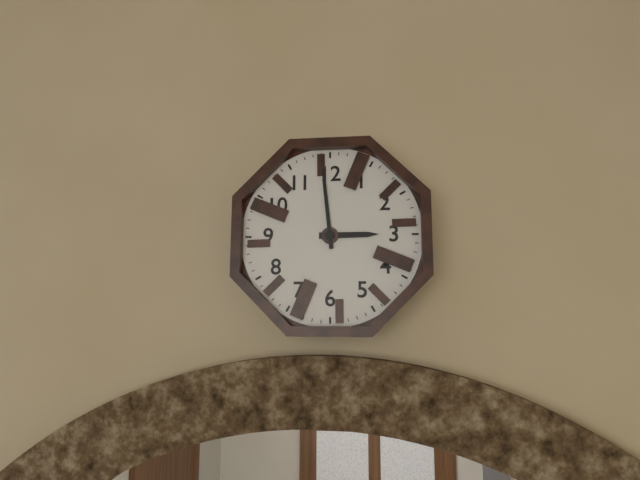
2:59
